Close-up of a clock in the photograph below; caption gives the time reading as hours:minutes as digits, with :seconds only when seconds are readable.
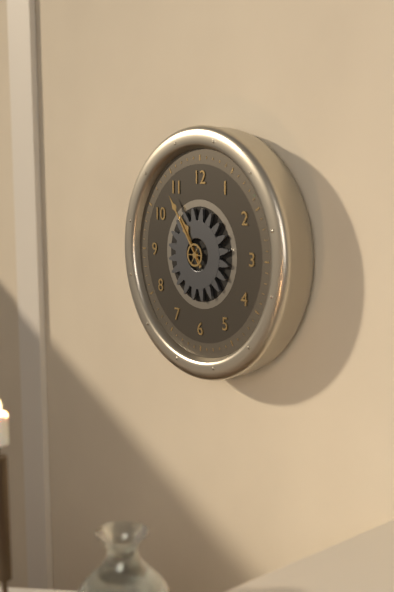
10:54
